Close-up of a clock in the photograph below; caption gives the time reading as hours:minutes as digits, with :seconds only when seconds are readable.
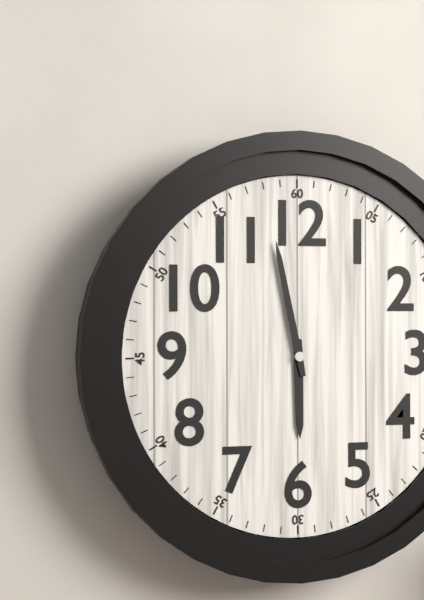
5:58
